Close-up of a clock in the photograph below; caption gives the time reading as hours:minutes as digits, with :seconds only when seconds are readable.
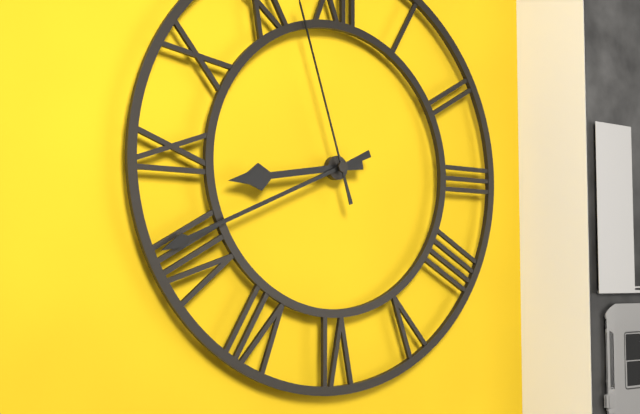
8:41
